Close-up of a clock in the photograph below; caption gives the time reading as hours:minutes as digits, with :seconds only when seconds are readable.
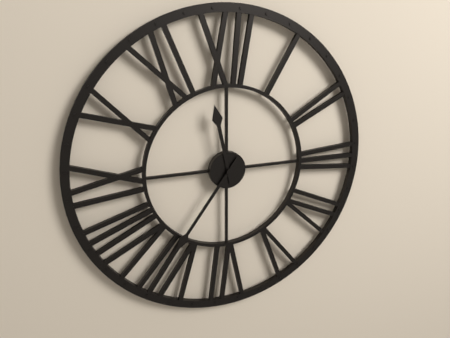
11:36
